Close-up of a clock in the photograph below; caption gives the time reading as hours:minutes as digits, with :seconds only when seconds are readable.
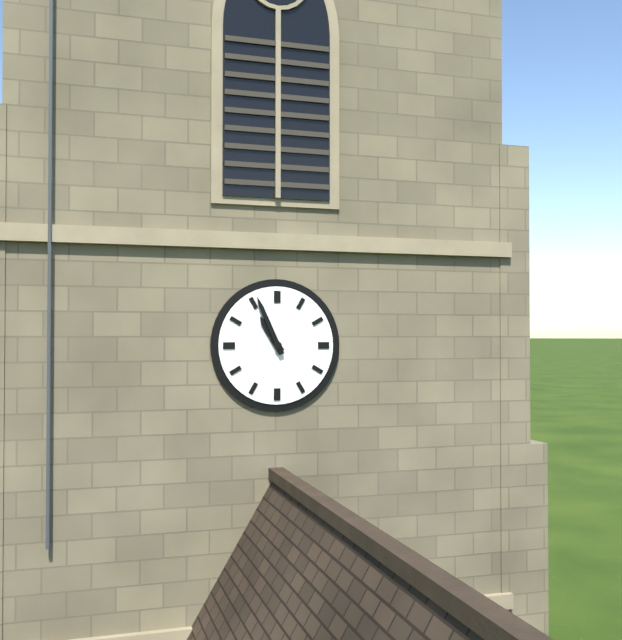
10:56
